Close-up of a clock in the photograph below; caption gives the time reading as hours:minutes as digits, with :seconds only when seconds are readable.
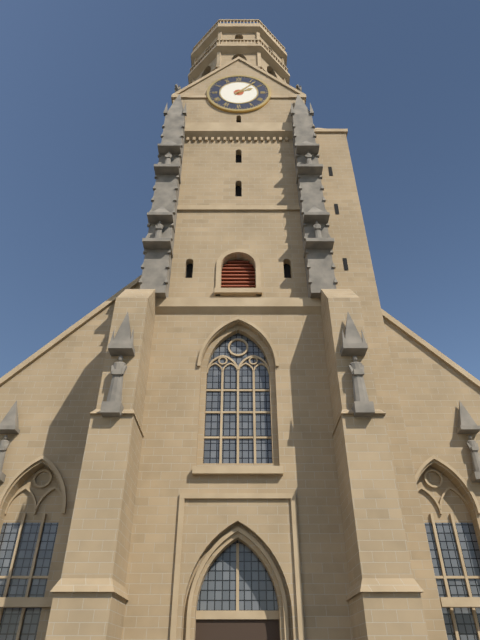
2:07
